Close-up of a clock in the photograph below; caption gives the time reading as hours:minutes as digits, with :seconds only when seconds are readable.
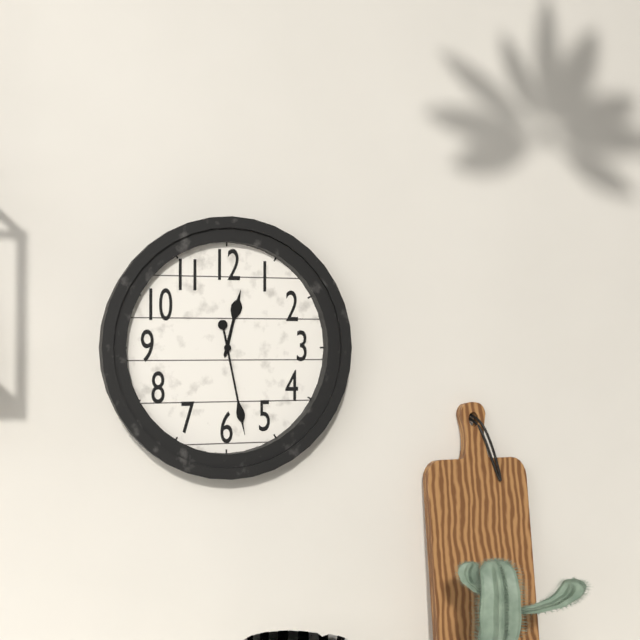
12:28
